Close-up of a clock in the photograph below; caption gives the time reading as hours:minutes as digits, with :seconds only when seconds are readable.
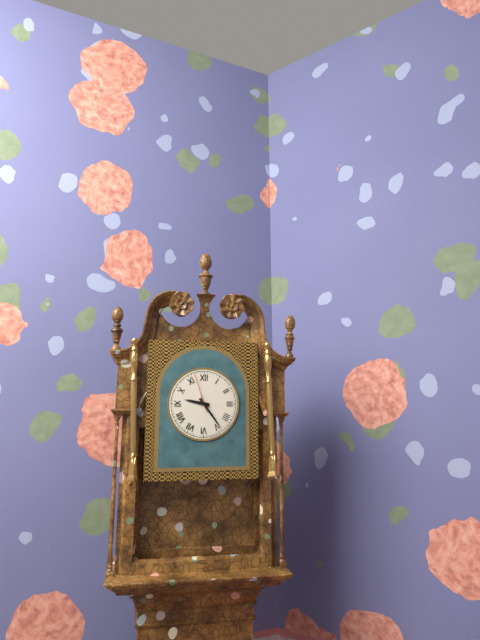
9:24
